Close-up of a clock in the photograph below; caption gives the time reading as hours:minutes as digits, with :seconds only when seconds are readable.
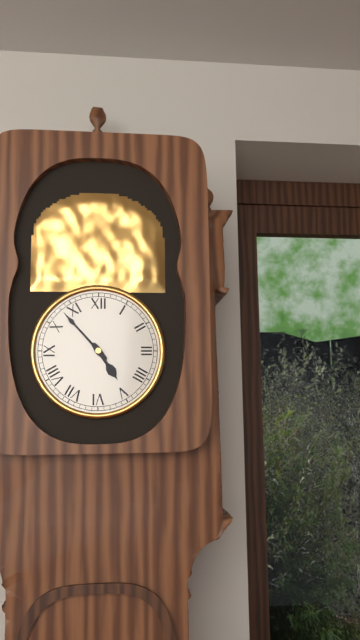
4:53
